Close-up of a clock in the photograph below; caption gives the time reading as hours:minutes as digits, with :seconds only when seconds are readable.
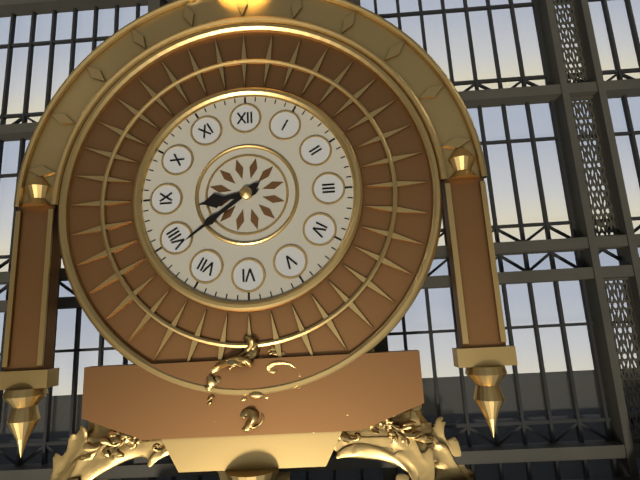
8:39
